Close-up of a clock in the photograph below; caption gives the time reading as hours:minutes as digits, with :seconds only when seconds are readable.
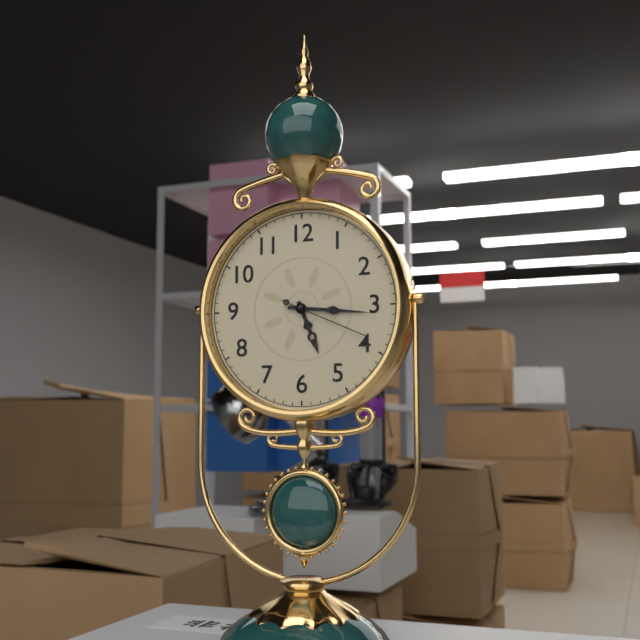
5:16:19
